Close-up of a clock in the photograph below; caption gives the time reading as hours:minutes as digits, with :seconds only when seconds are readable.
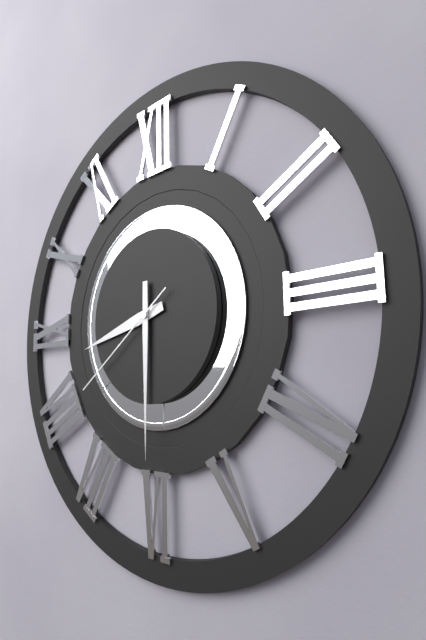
8:30:39
